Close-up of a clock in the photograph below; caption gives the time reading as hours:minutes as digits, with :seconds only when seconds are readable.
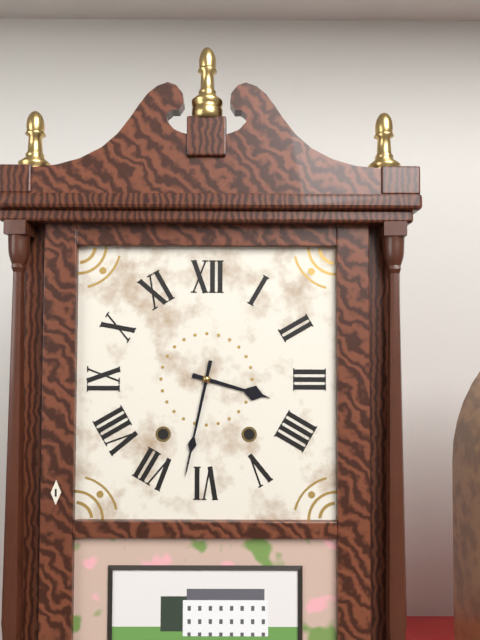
3:32
